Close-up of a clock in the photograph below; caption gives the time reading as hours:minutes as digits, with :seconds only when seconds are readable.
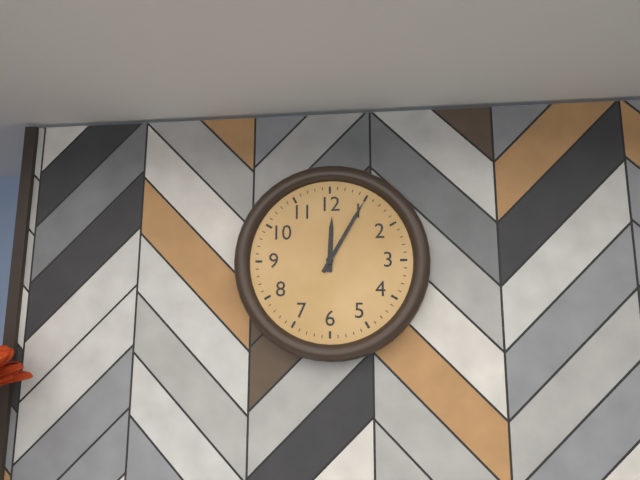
12:05
